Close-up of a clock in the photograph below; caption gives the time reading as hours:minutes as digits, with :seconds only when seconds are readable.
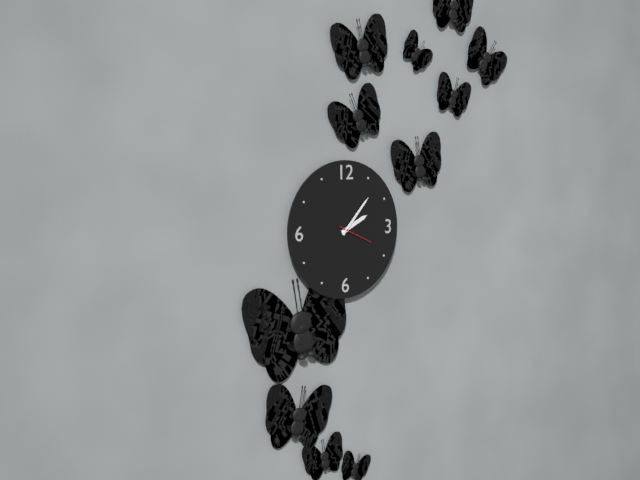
2:07
